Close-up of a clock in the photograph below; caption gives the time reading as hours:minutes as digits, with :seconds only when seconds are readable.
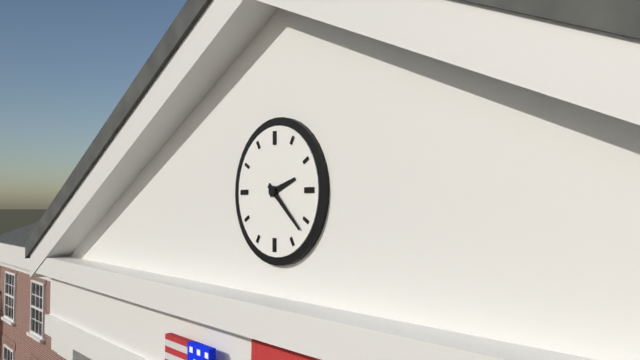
2:22
